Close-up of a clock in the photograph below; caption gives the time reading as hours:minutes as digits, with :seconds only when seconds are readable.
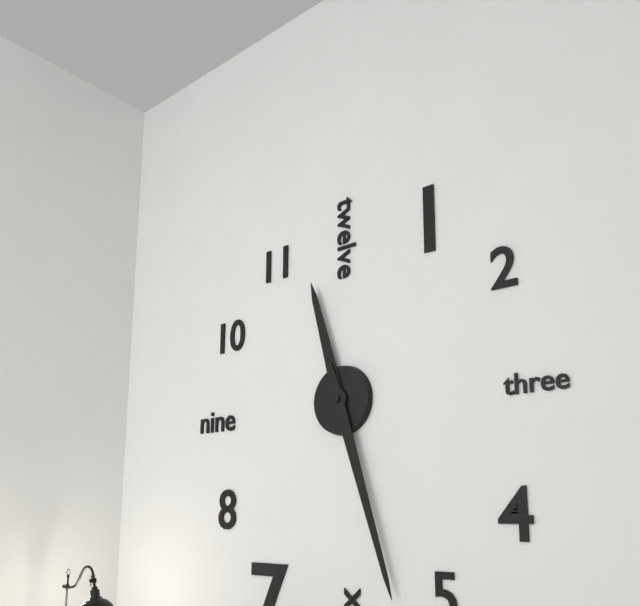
11:27
